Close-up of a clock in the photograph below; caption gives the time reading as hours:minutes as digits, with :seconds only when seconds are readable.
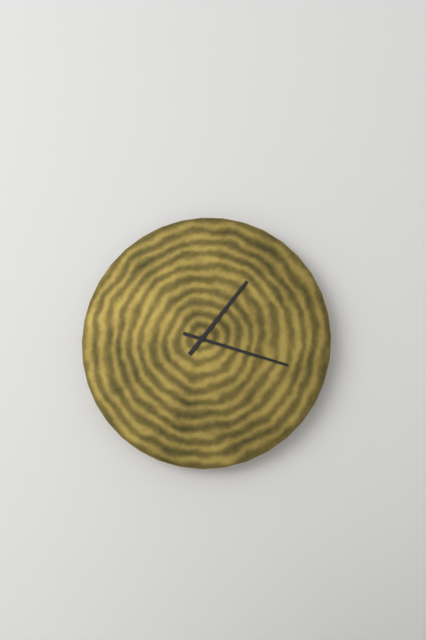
1:18
